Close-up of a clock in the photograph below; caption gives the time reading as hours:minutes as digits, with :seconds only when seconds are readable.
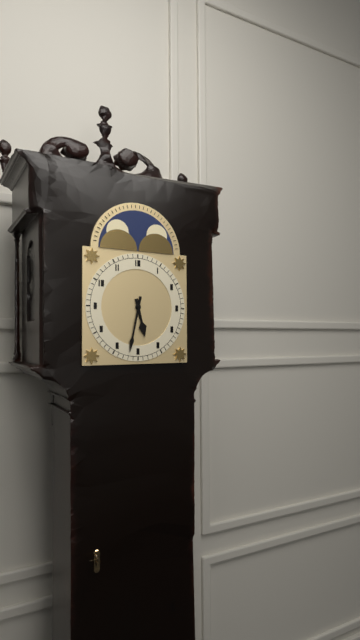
5:32
